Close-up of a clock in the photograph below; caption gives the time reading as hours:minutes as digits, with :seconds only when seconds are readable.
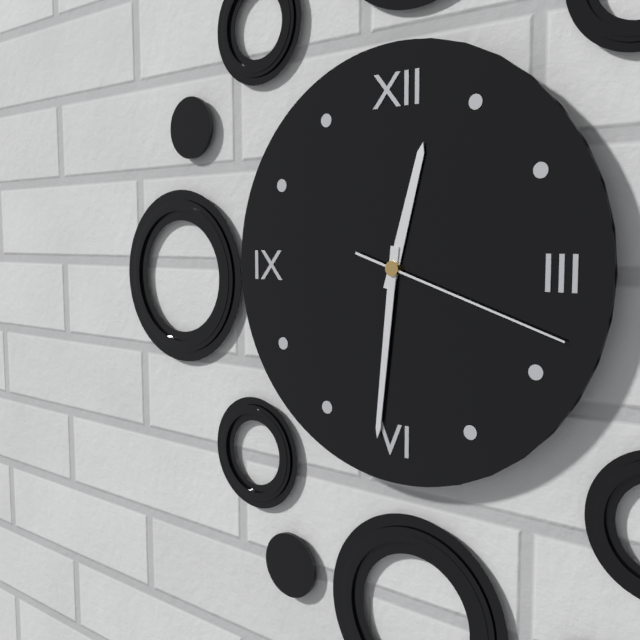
12:31:18
